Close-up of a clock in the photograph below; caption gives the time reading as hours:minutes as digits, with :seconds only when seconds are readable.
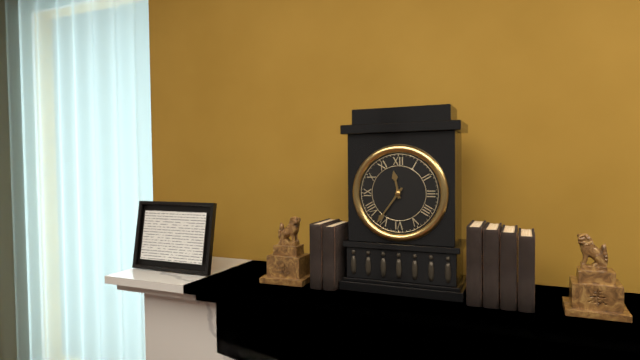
11:36
